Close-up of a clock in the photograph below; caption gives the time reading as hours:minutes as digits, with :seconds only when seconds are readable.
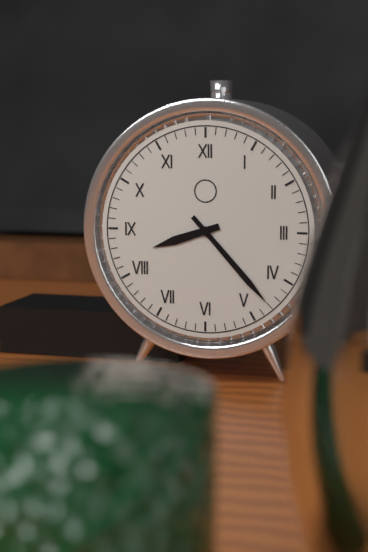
8:23
